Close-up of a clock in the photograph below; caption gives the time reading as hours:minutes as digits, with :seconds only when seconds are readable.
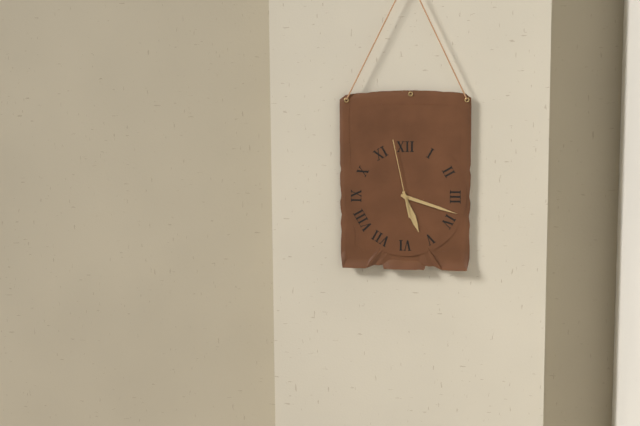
5:18:58
